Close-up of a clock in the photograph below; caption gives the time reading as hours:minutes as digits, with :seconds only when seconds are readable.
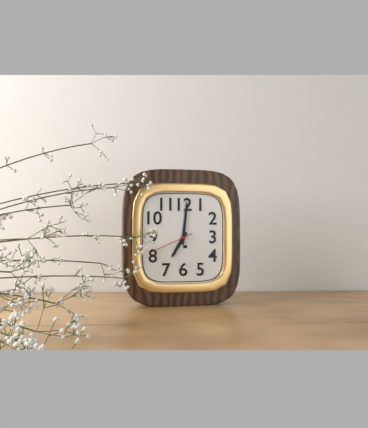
7:01
